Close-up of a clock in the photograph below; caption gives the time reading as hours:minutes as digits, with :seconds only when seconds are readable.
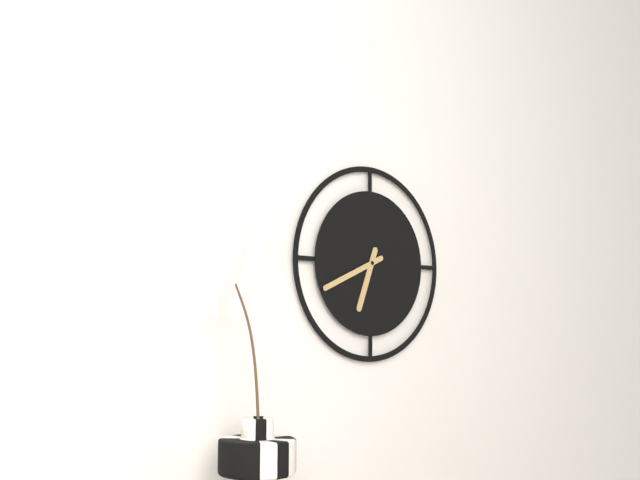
6:41
